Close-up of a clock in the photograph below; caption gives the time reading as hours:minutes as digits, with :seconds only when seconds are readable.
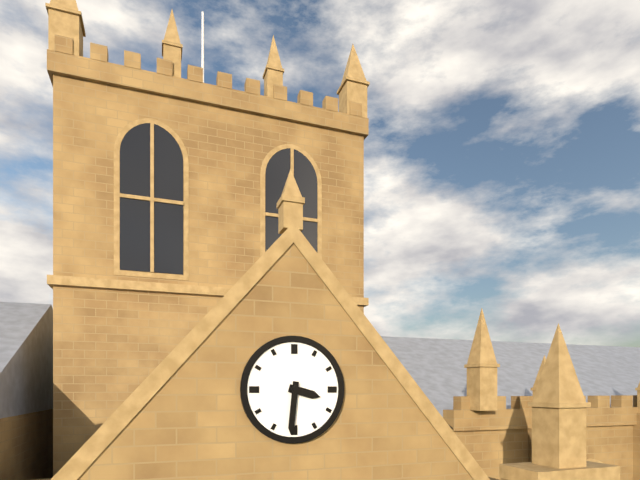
3:31
